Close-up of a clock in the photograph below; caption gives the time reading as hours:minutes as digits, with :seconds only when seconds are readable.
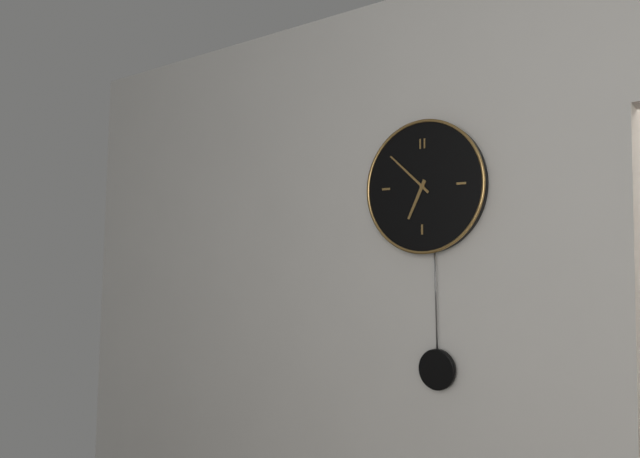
6:52
